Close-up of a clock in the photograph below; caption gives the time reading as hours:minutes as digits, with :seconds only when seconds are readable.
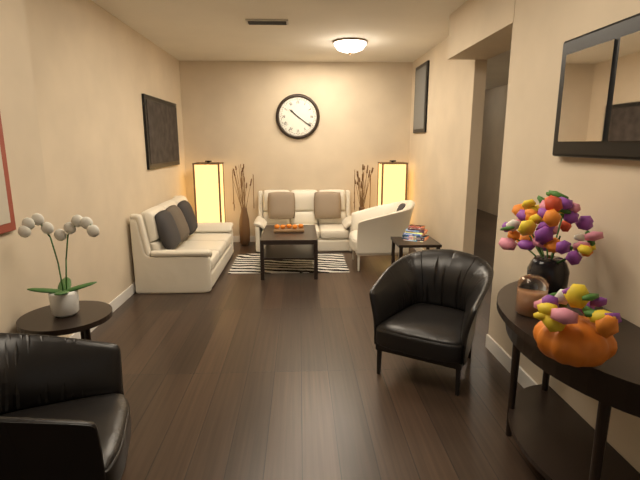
10:21
